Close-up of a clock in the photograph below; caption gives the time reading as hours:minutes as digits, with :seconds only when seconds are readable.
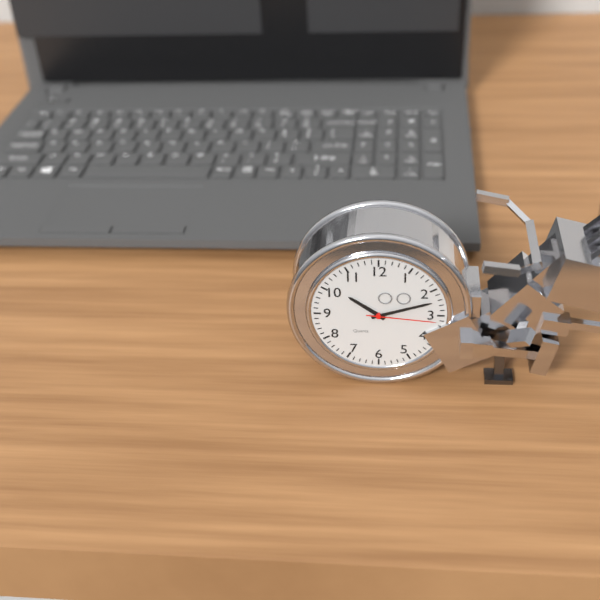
10:12:16
